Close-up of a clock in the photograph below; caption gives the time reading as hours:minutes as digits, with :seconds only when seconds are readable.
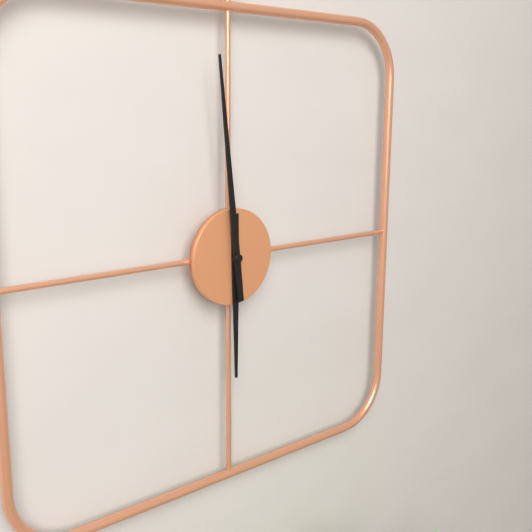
5:59
